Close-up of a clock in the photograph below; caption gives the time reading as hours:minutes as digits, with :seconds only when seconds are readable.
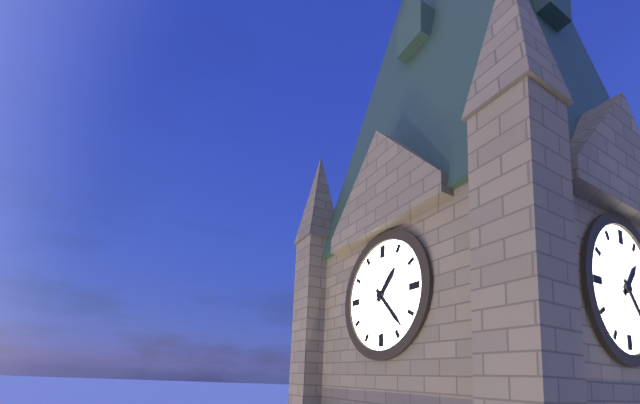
1:23
